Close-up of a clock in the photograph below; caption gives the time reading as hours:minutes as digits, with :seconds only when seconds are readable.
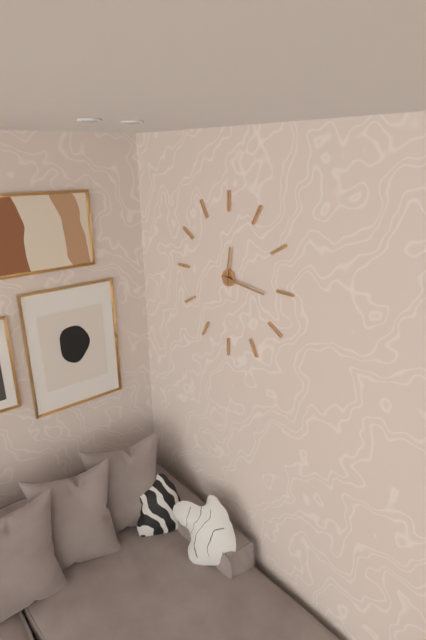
12:16
